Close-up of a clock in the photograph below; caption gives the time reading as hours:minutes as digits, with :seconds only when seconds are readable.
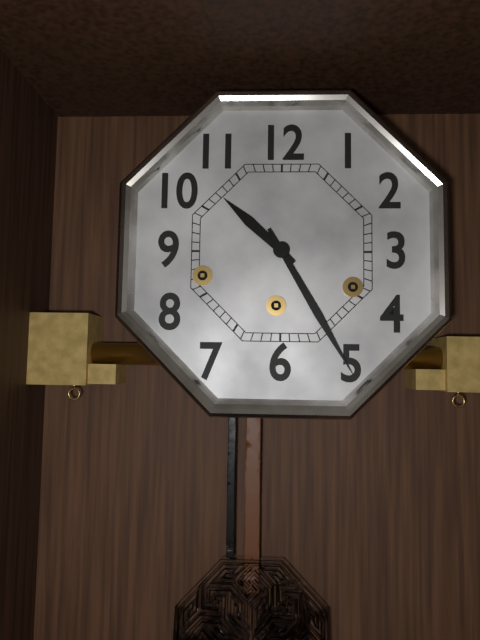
10:25
